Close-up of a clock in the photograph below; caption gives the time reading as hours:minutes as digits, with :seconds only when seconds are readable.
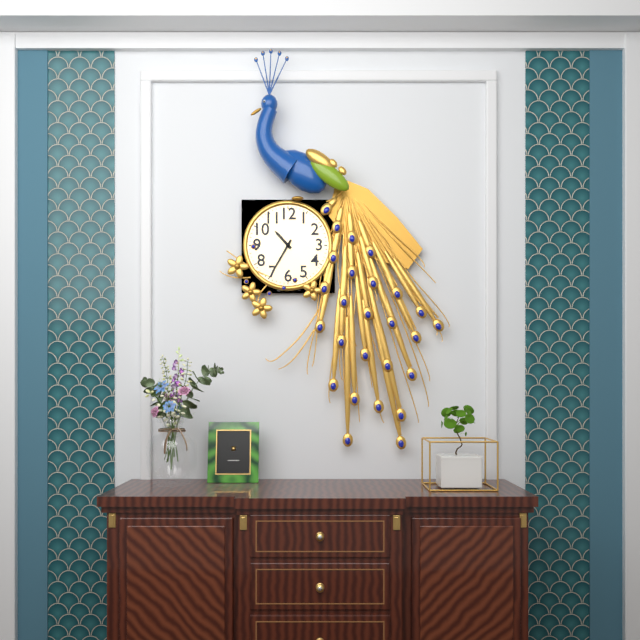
10:35
